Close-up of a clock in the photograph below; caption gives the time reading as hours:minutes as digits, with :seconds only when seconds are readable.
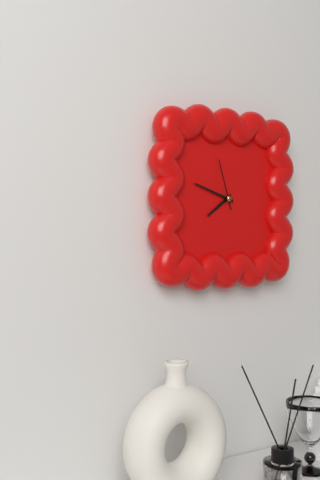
7:48:57
